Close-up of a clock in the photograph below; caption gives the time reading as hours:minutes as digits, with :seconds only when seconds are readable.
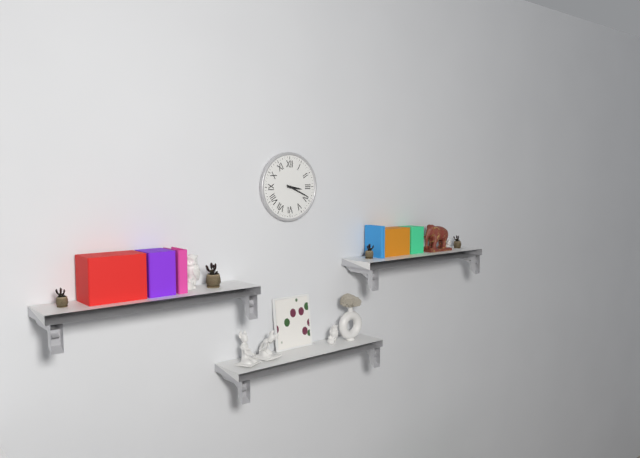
3:19
